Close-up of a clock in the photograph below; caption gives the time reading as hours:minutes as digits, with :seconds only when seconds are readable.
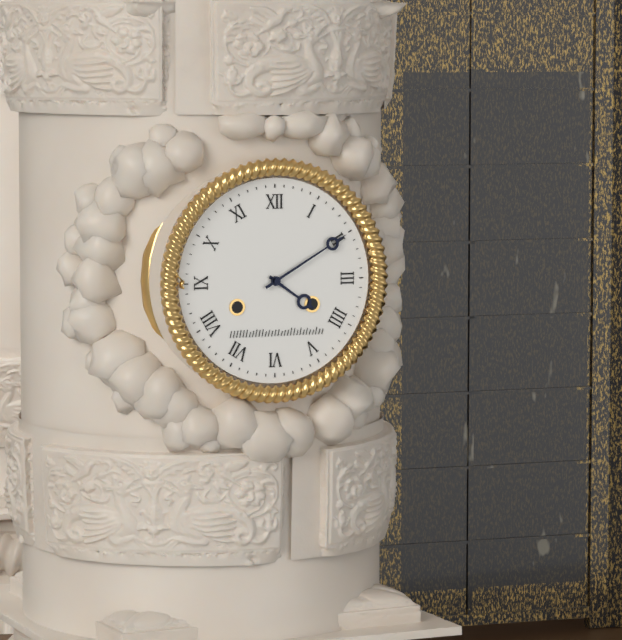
4:10
